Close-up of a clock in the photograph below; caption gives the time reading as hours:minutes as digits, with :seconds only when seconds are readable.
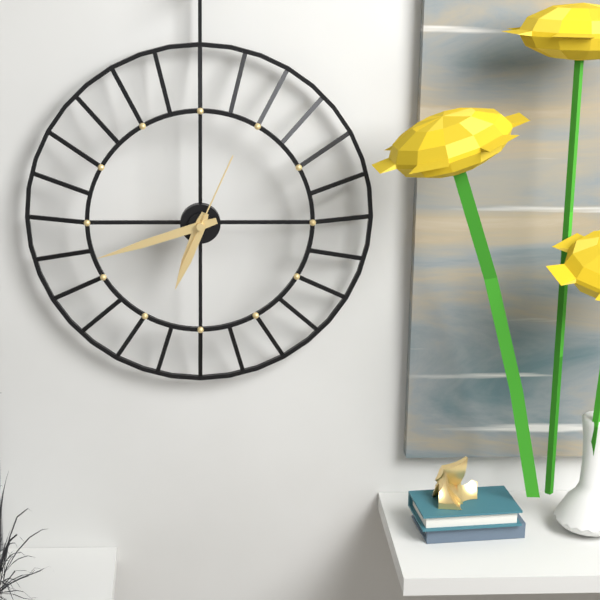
6:42:04
